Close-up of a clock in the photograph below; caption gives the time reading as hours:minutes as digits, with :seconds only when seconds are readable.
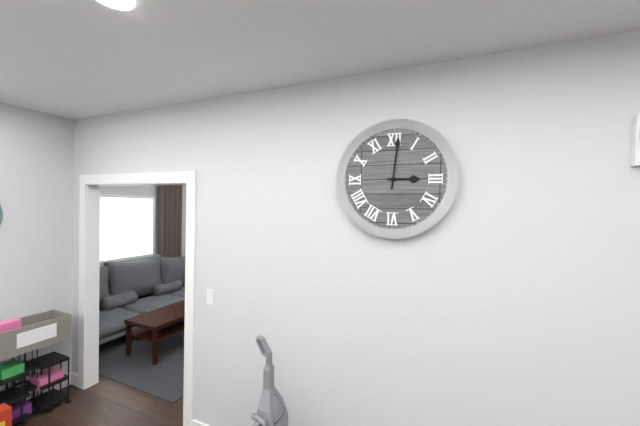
3:01
